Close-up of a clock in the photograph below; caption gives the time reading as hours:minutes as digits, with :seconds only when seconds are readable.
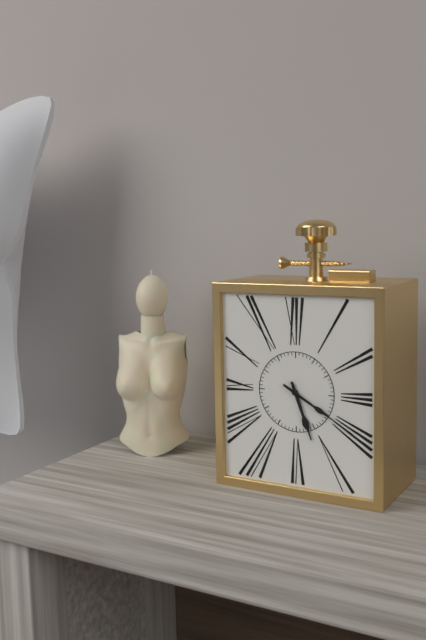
5:20
